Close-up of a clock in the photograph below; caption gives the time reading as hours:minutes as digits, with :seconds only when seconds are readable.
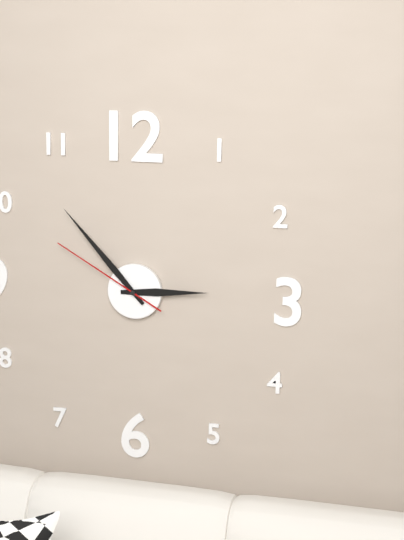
2:53:50
